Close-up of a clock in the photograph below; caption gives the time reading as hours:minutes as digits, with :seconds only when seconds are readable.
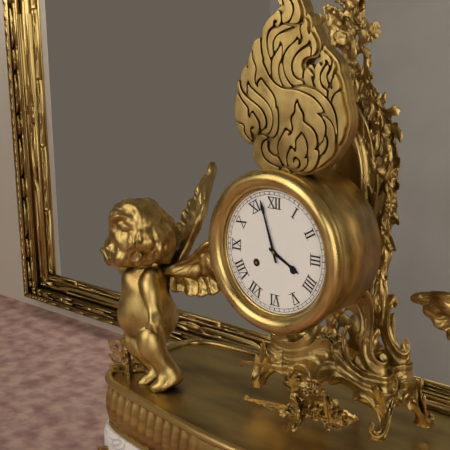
3:57
